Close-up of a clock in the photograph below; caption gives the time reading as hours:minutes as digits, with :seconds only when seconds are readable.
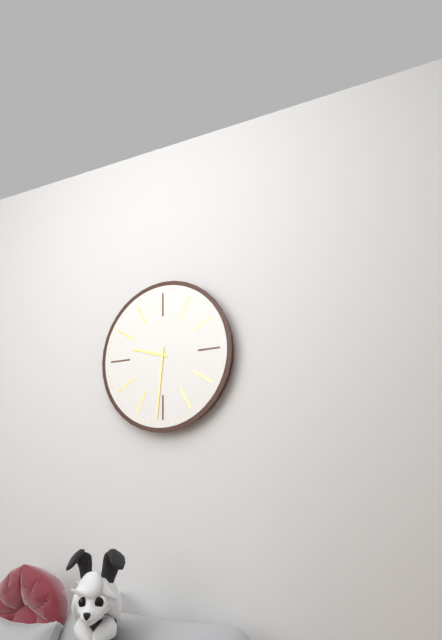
9:31
